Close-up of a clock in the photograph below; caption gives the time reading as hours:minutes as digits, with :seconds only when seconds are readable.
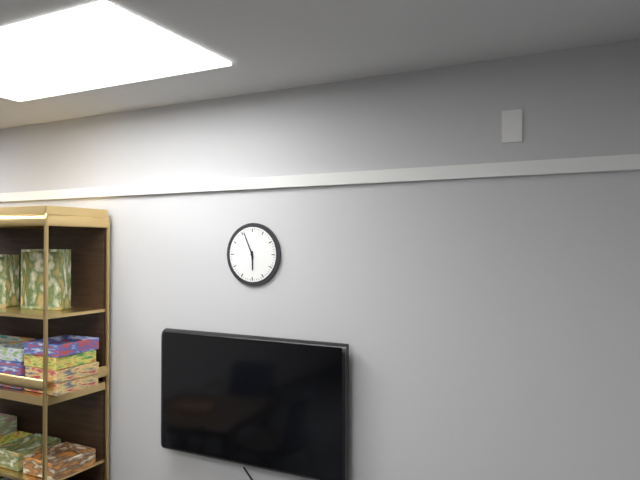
5:56
